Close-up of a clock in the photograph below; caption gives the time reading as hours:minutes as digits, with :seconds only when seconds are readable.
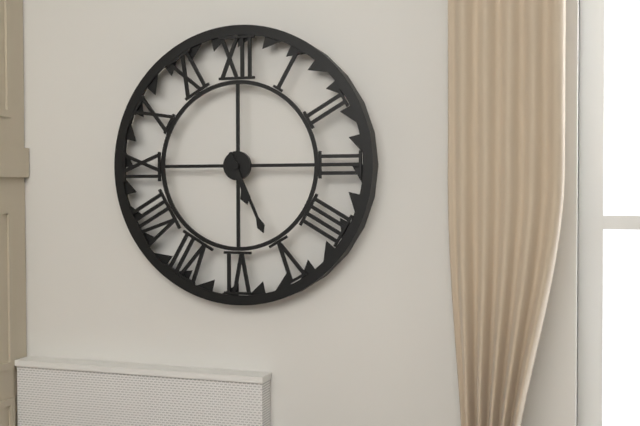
5:26
